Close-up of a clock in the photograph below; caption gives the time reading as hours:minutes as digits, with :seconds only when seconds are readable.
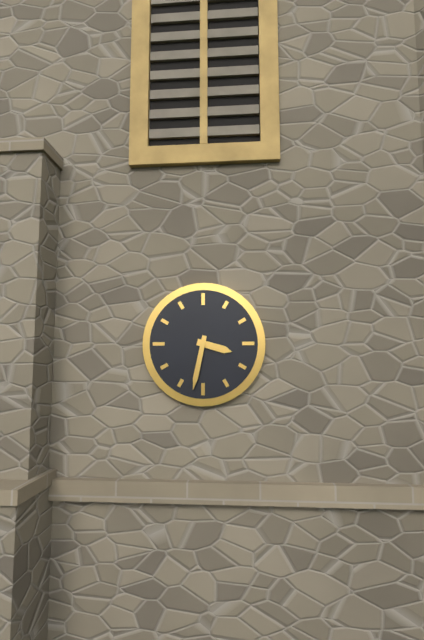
3:32
